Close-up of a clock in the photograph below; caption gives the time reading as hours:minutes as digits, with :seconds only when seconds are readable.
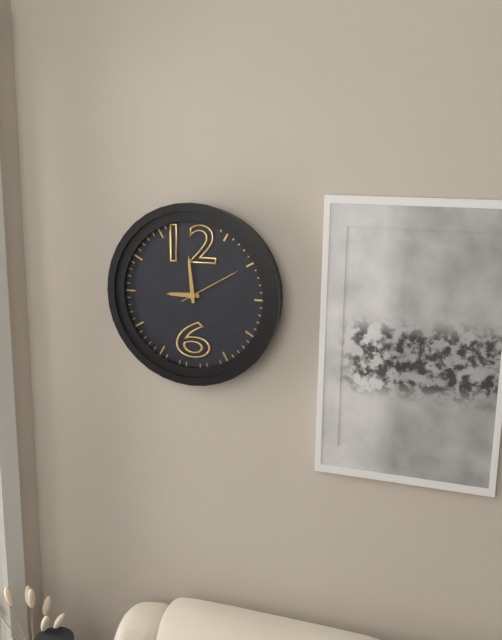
8:59:10
